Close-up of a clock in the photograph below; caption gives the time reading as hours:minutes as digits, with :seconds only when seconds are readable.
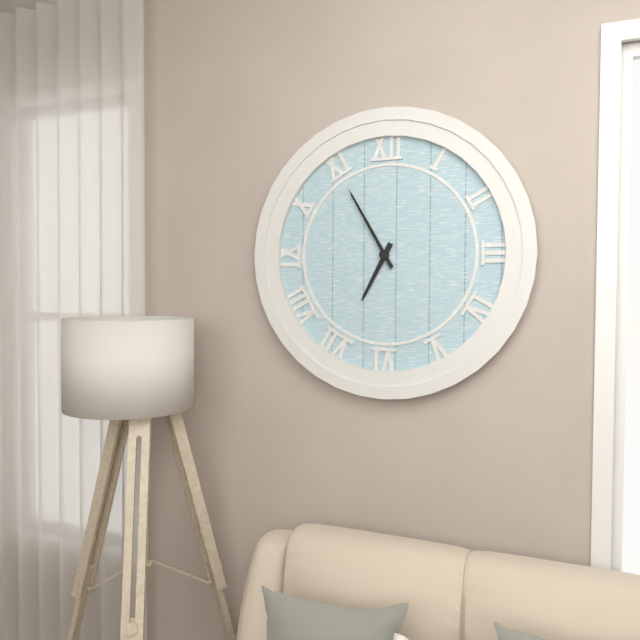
6:55
